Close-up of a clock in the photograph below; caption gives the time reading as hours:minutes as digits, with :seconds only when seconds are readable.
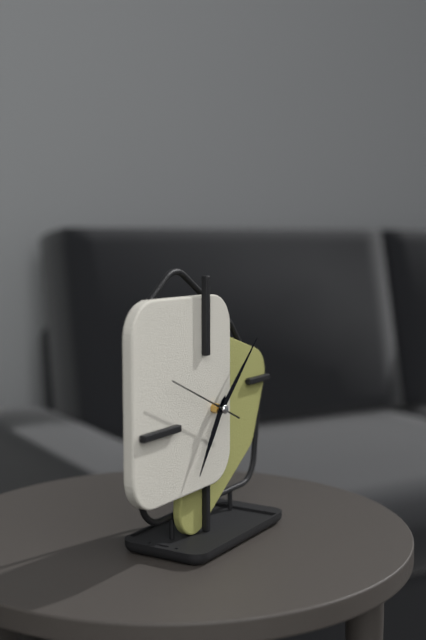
7:08:49
